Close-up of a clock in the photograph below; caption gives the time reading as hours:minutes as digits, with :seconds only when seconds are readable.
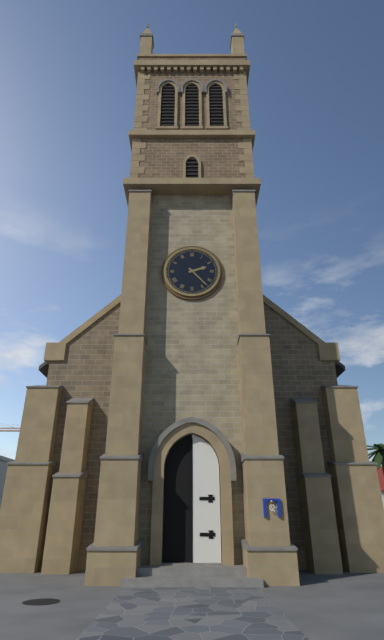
2:23
